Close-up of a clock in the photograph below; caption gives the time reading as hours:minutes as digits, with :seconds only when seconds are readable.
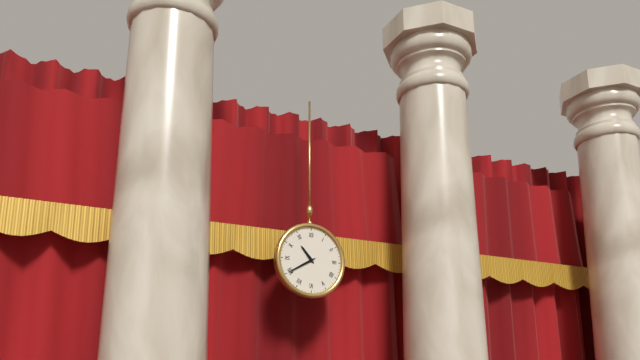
10:40
